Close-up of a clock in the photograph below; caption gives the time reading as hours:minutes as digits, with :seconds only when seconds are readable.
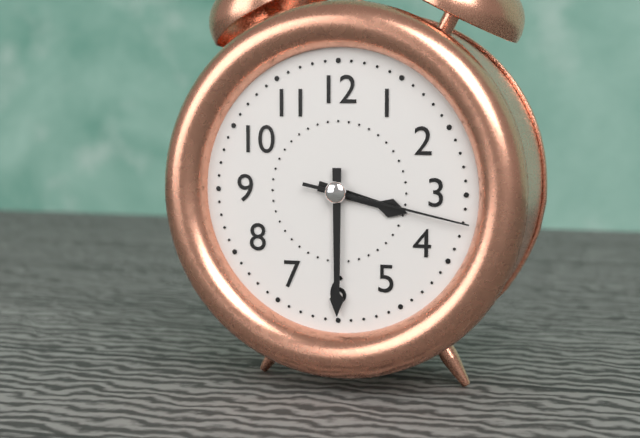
3:30:17
